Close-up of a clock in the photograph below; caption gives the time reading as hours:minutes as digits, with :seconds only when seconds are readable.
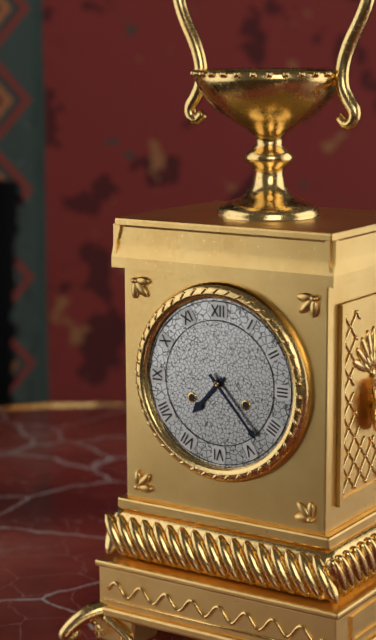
7:23
